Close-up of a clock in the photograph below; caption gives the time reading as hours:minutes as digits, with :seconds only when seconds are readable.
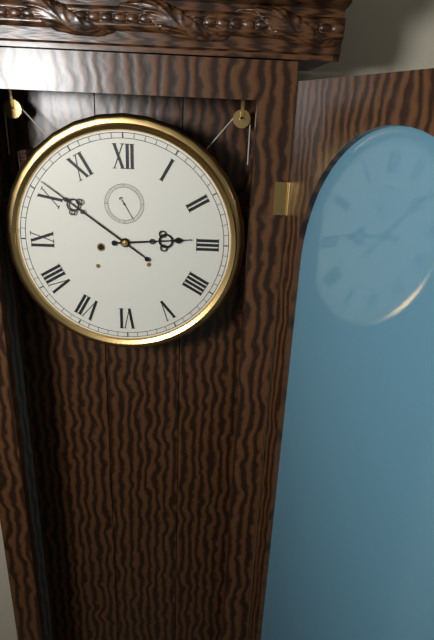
2:51
